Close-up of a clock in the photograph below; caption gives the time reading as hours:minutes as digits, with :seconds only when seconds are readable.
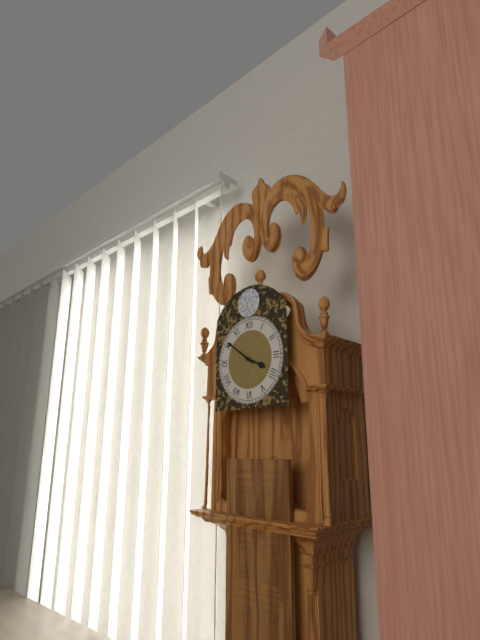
3:51
